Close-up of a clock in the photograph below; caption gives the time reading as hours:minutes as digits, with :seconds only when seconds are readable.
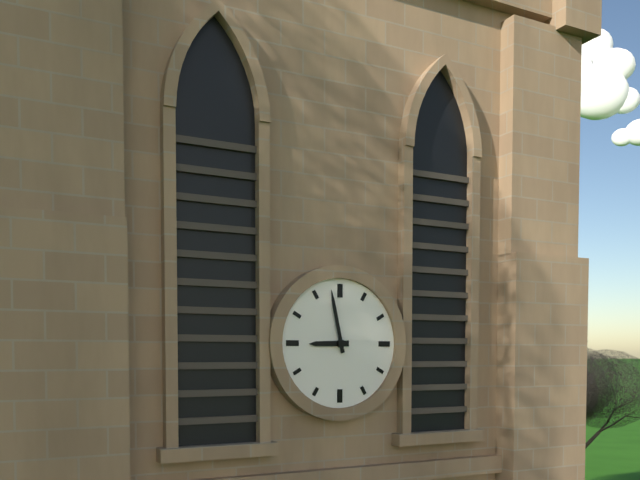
8:58
